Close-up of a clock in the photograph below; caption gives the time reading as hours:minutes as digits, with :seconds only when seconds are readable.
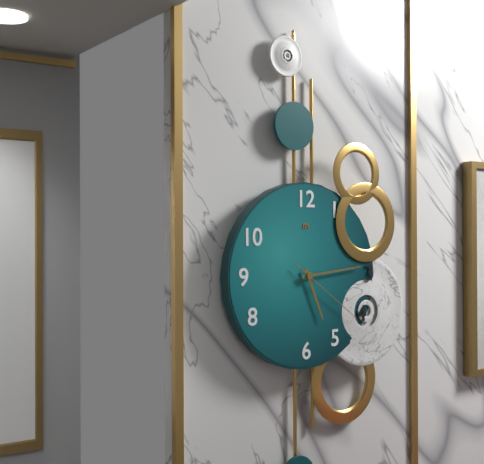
5:14:21
